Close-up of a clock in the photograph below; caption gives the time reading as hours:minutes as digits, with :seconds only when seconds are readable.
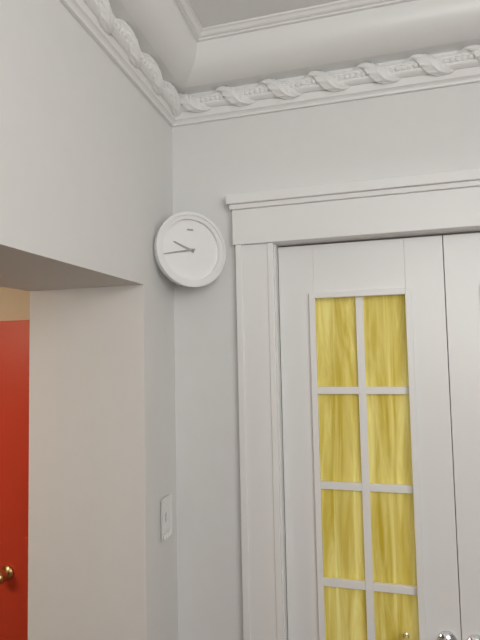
9:43
